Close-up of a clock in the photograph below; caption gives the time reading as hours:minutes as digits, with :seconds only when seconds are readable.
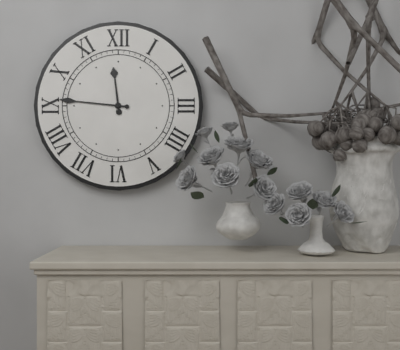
11:46
